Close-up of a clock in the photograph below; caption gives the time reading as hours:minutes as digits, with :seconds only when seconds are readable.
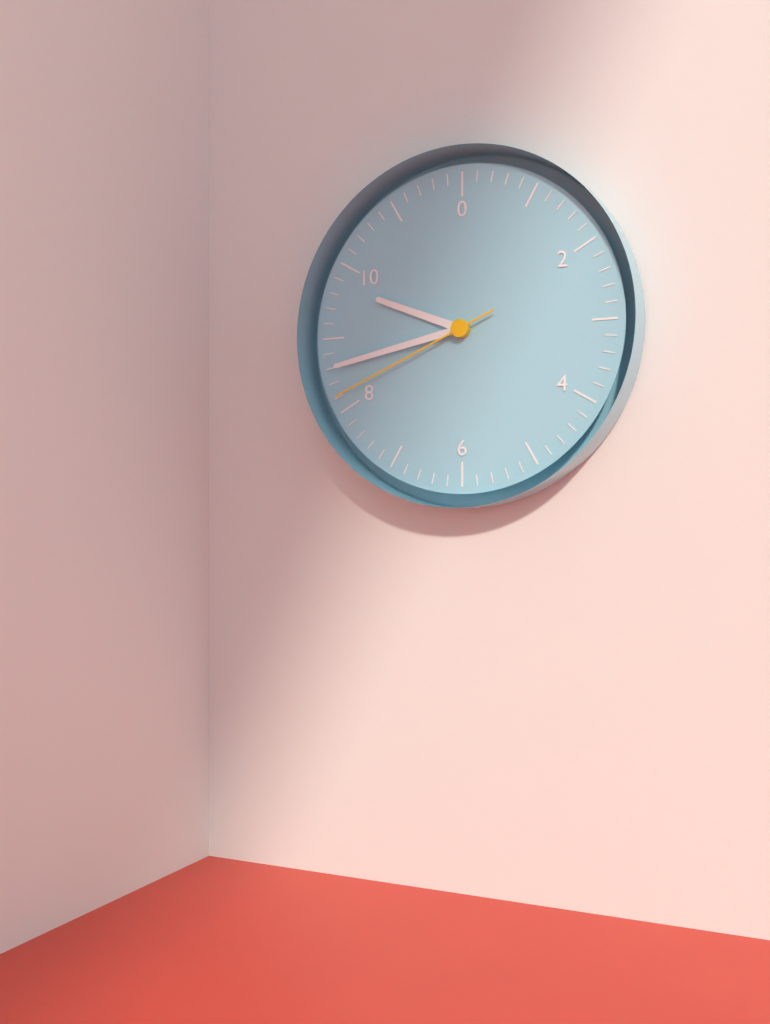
9:43:41
